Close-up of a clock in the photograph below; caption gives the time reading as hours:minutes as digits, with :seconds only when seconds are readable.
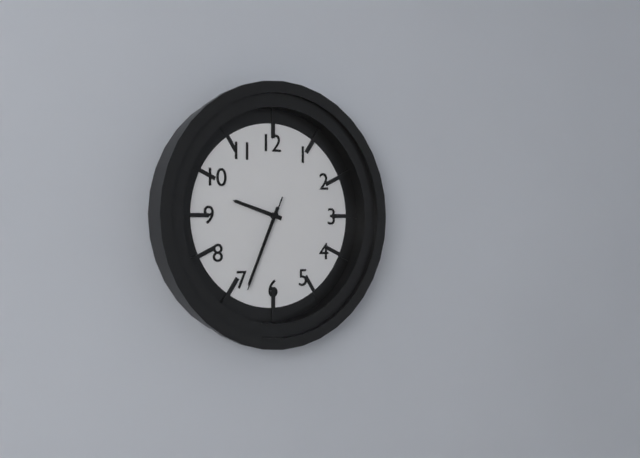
9:34:34
